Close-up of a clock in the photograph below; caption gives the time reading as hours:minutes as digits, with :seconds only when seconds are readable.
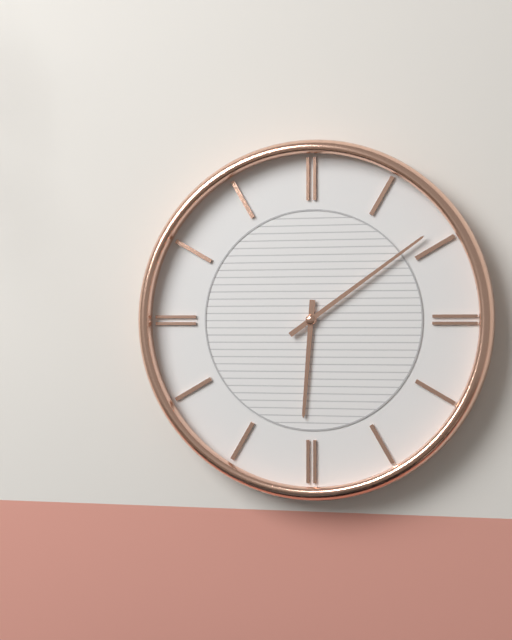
6:09
